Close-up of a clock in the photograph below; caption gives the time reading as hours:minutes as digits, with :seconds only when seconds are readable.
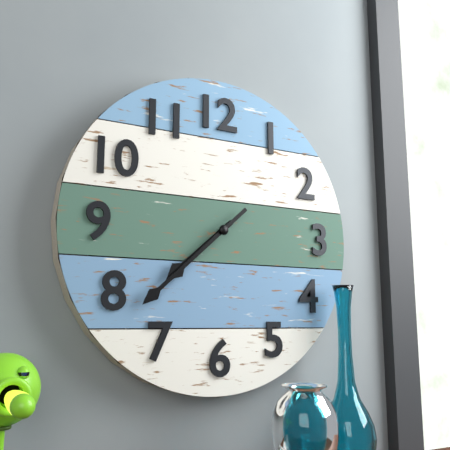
7:38
